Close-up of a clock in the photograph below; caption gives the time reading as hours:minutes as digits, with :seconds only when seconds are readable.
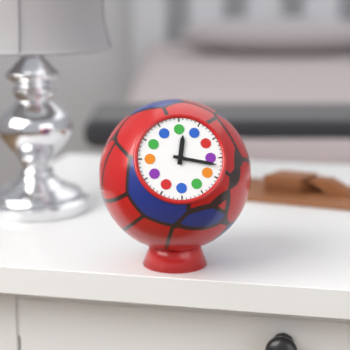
12:17
